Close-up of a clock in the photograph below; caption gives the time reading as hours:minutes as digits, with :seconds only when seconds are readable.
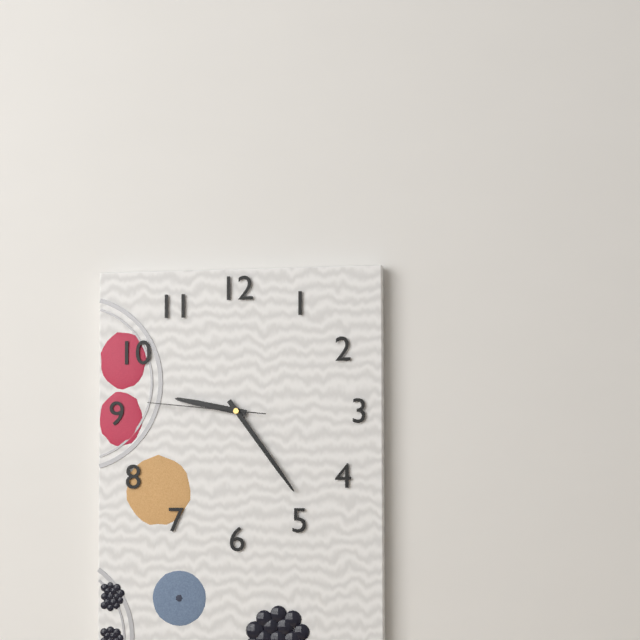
9:24:46
